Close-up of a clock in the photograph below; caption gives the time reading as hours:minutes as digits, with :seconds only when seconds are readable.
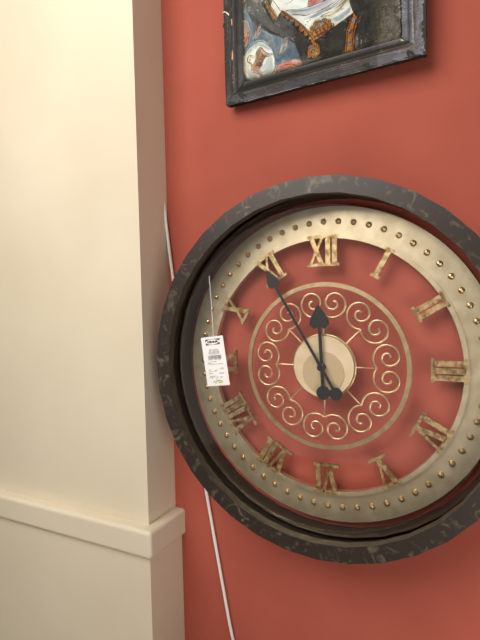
11:55
